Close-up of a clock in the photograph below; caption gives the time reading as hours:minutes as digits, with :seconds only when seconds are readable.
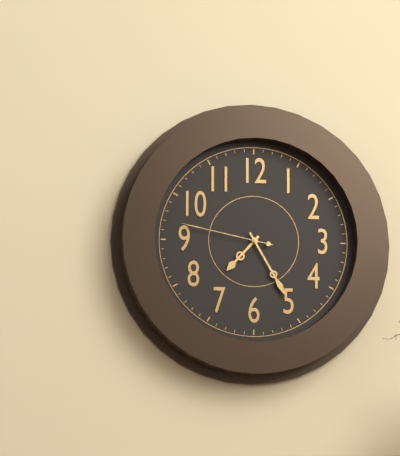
7:25:47
